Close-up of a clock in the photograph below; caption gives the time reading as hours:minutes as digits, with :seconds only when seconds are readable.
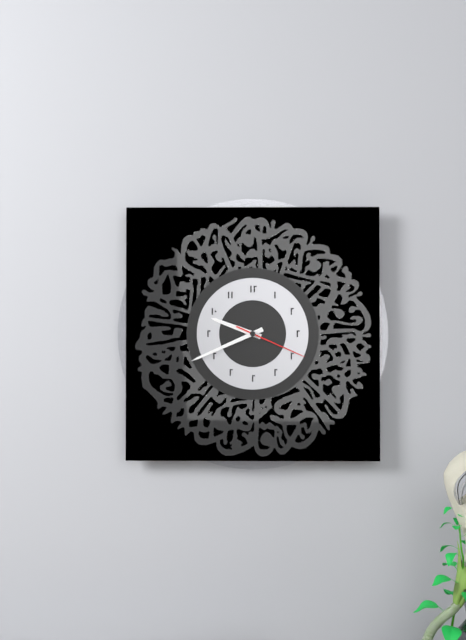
9:41:19
